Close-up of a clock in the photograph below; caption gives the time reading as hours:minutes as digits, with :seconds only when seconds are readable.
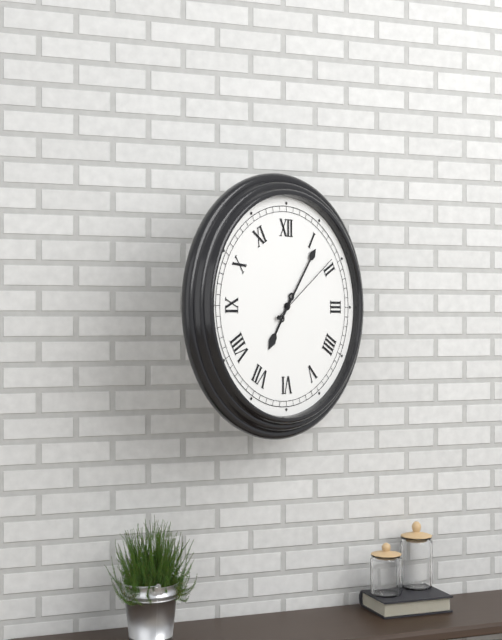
7:06:09
